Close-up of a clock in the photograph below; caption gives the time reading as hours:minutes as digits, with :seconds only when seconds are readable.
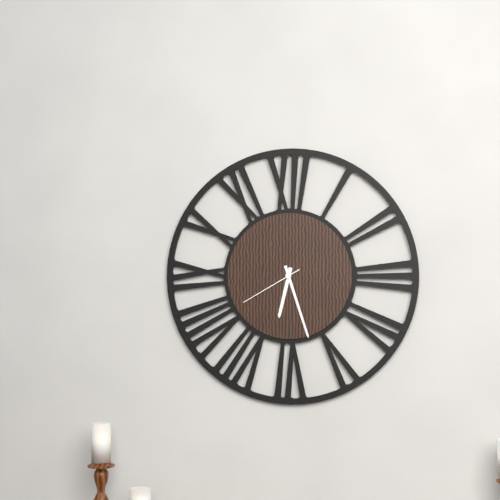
6:27:40
